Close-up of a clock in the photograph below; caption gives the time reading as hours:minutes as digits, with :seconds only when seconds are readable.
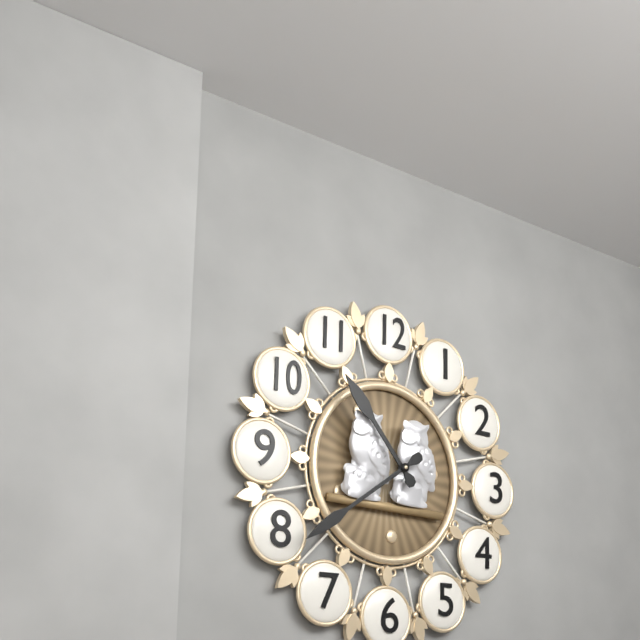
10:39
